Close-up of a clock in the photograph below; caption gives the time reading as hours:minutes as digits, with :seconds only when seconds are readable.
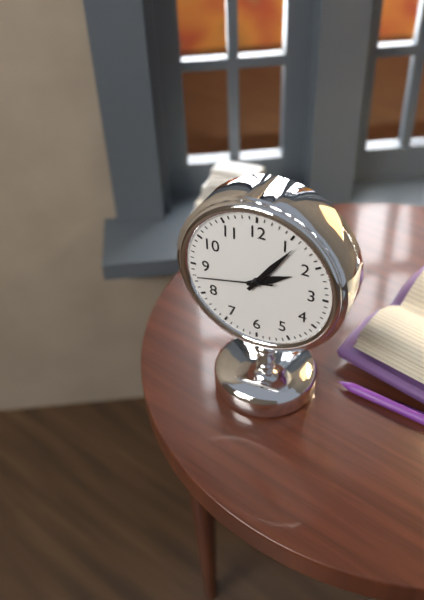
2:06:43
